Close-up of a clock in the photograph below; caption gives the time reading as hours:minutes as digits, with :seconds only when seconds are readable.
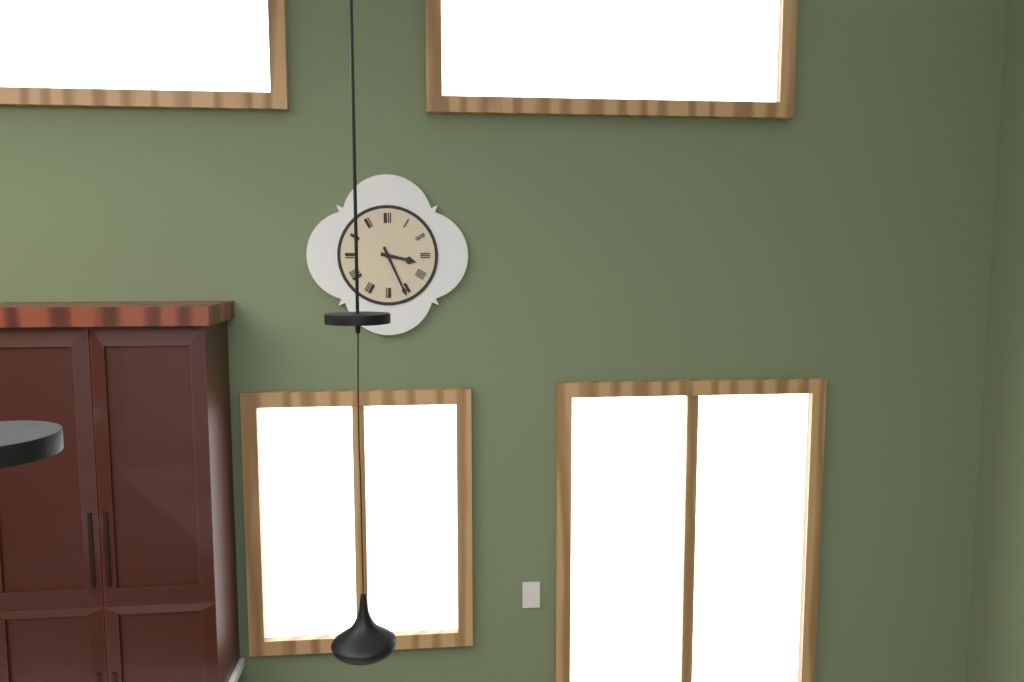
3:26
